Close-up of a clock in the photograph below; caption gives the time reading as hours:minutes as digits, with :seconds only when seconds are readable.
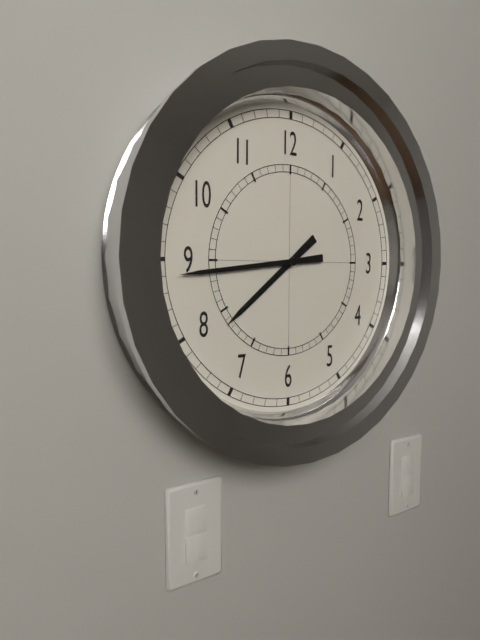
7:44
